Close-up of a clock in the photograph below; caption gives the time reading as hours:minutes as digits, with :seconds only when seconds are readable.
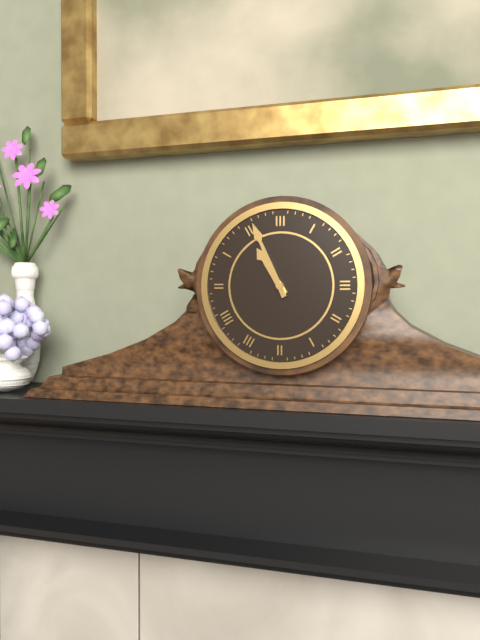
10:56
